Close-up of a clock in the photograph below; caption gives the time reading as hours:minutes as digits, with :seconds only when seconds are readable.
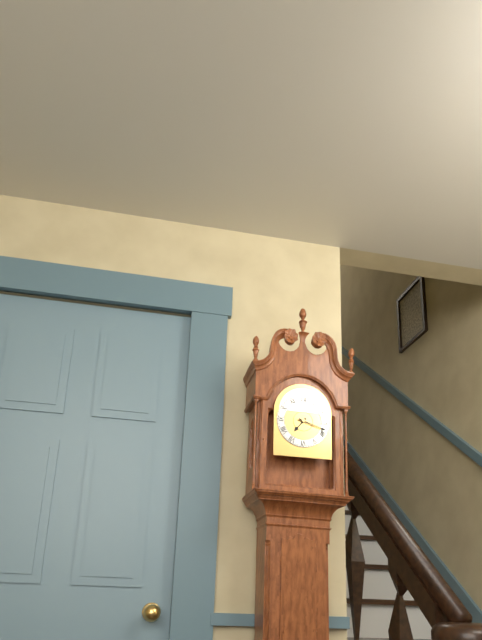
7:18
